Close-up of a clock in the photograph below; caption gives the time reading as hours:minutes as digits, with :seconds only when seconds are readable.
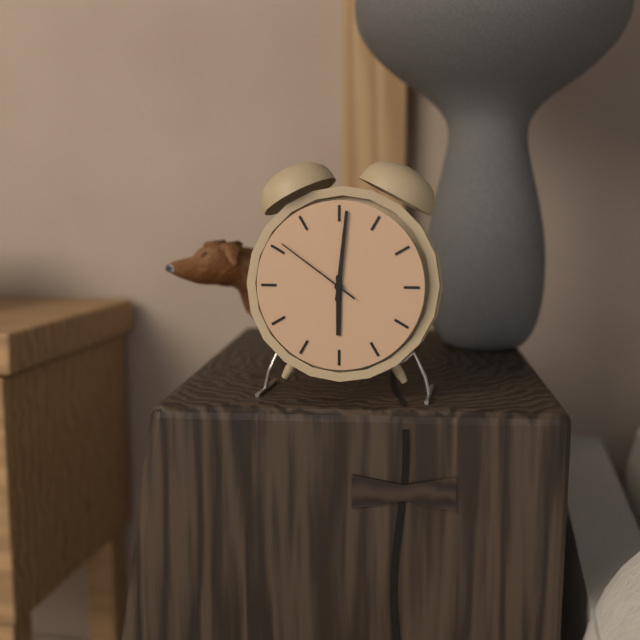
6:01:51
